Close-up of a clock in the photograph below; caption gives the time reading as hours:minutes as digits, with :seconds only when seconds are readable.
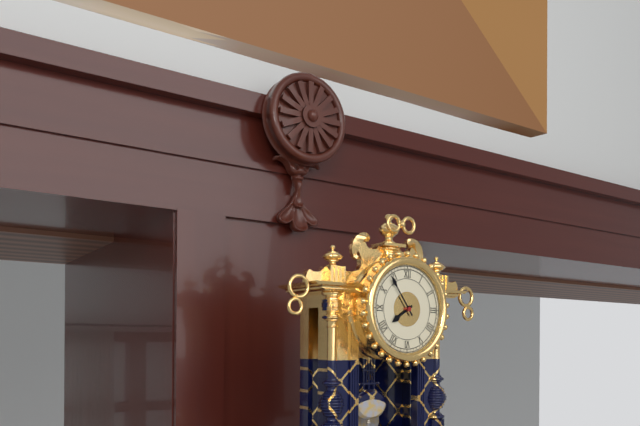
7:54
